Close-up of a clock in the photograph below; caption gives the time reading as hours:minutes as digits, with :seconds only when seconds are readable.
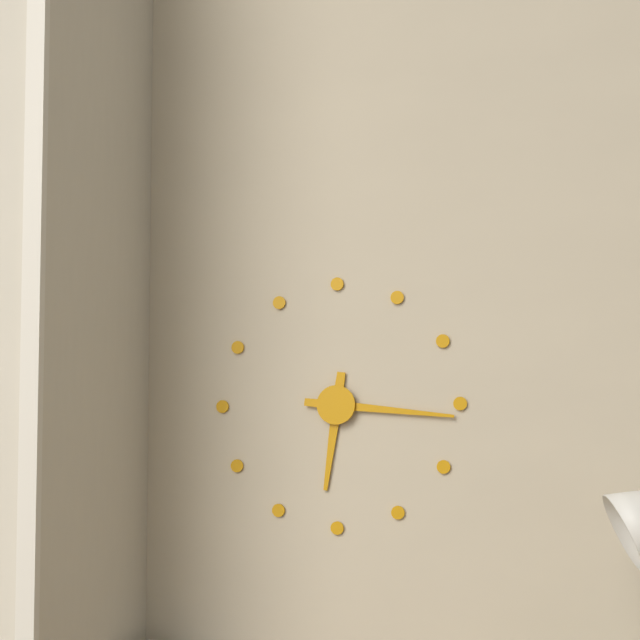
6:16
